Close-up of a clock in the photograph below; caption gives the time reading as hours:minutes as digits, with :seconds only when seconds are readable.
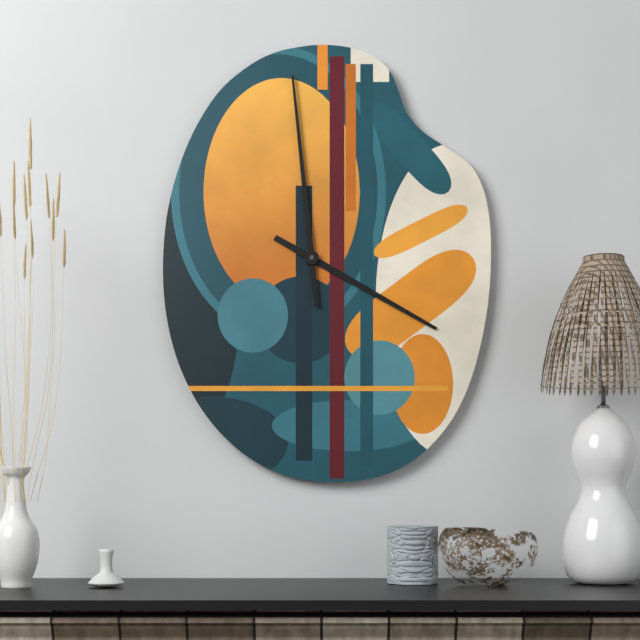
3:59
